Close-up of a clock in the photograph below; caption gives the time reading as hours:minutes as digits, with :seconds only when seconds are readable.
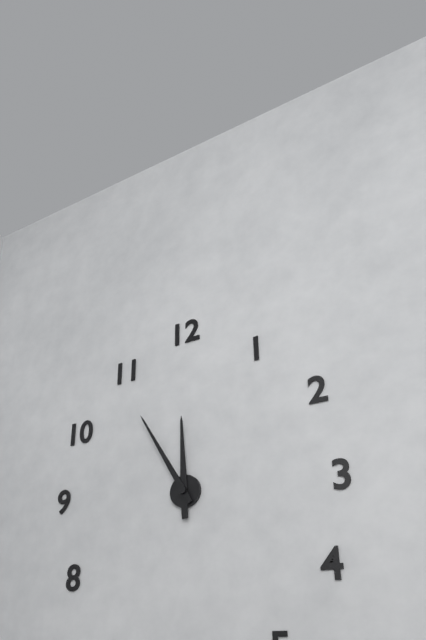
11:55
